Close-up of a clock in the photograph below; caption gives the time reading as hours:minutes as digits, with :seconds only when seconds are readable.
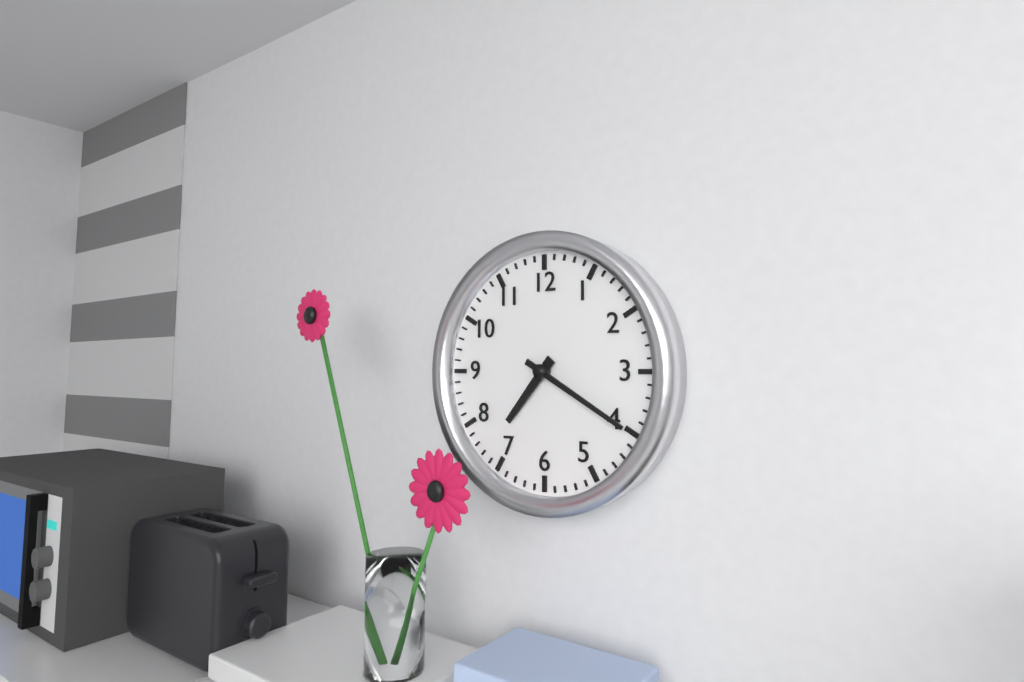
7:20
